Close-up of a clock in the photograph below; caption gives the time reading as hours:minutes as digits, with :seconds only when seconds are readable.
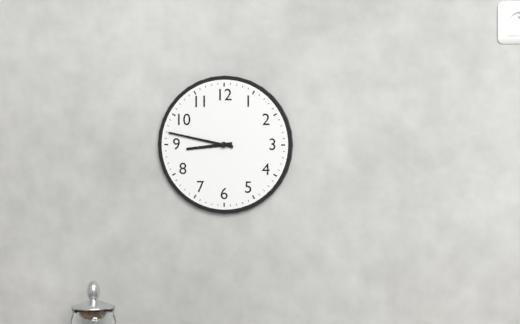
8:47
